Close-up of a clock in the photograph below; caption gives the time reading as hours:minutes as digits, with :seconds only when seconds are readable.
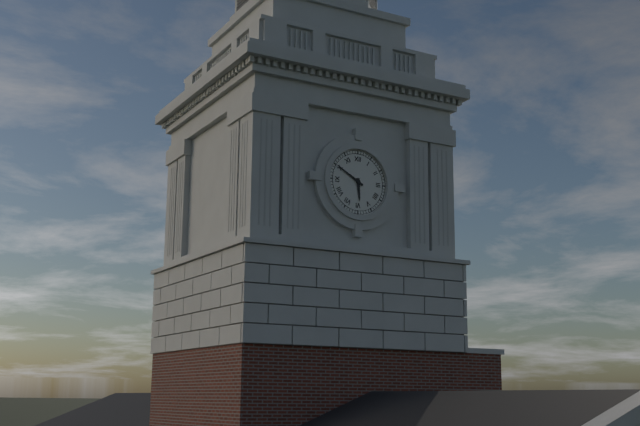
5:50
